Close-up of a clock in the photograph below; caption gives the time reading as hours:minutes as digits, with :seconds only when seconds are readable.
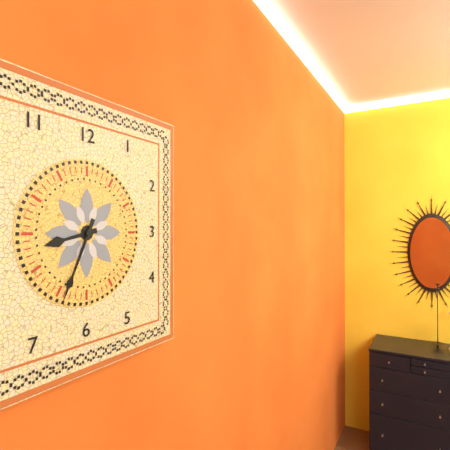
8:34
